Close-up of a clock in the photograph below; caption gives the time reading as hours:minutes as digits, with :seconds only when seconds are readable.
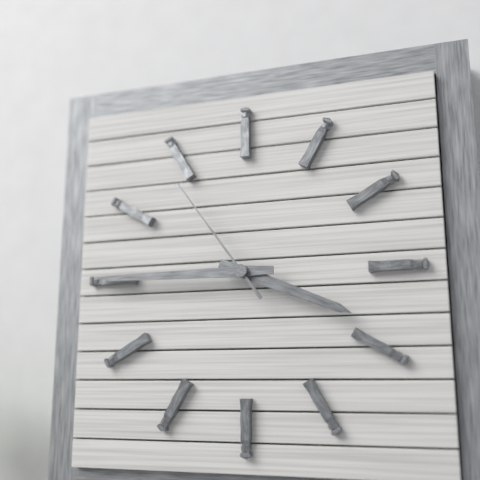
3:45:54
